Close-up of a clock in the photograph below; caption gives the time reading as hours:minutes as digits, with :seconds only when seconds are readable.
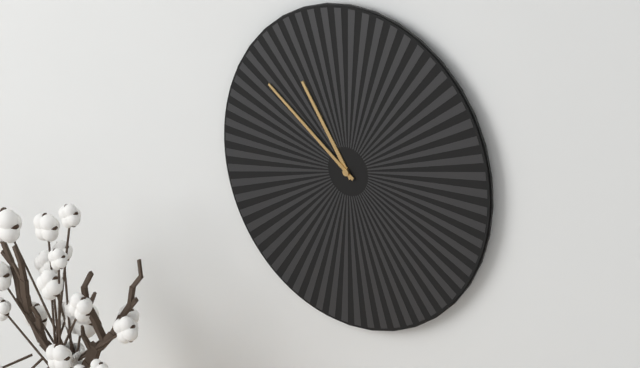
10:51
